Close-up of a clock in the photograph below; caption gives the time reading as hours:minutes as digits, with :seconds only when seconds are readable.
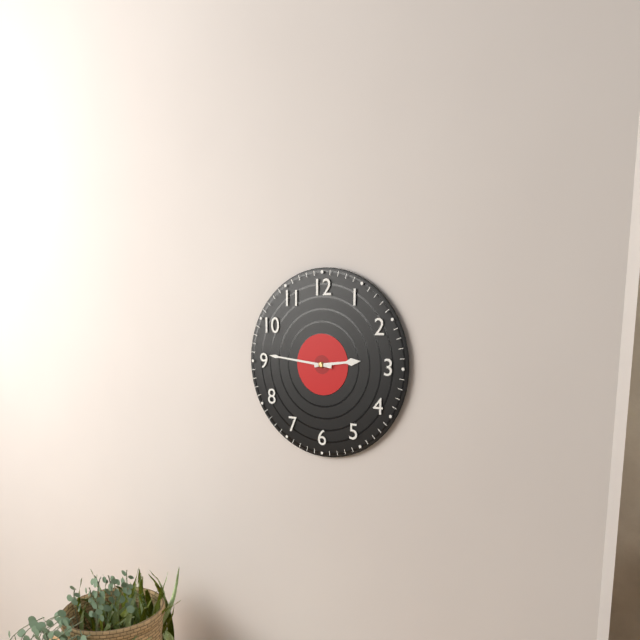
2:46
